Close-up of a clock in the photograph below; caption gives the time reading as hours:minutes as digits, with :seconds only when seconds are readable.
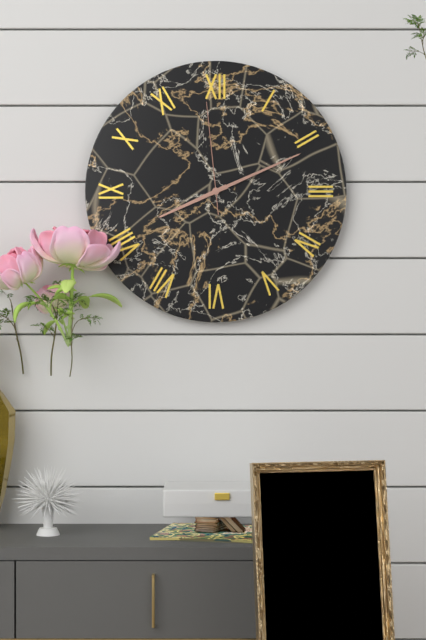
8:11:59
